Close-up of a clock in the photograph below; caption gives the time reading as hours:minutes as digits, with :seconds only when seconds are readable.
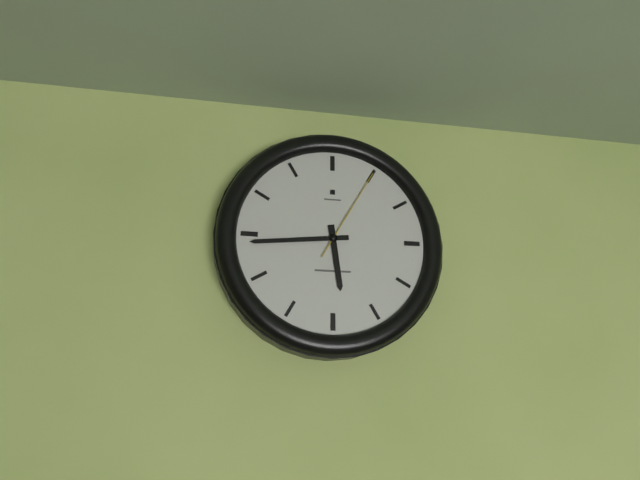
5:44:05
